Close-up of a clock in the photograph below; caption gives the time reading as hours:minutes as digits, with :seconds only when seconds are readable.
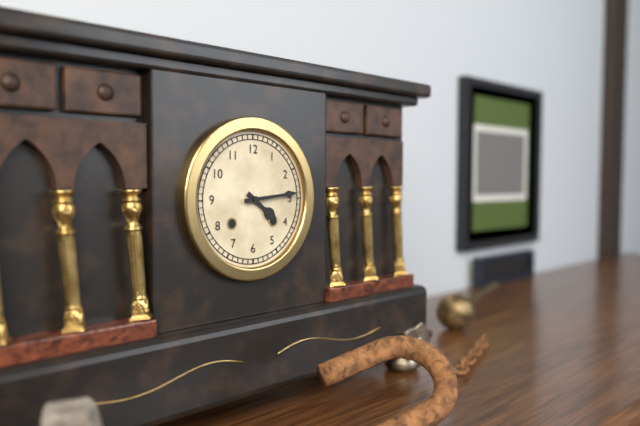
4:14
